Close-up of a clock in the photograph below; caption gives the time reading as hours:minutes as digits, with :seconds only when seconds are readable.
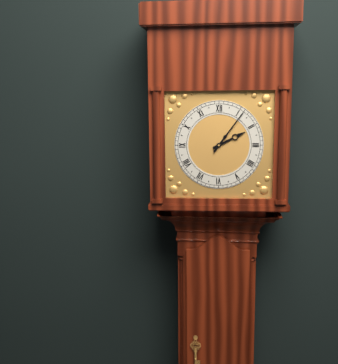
2:06
